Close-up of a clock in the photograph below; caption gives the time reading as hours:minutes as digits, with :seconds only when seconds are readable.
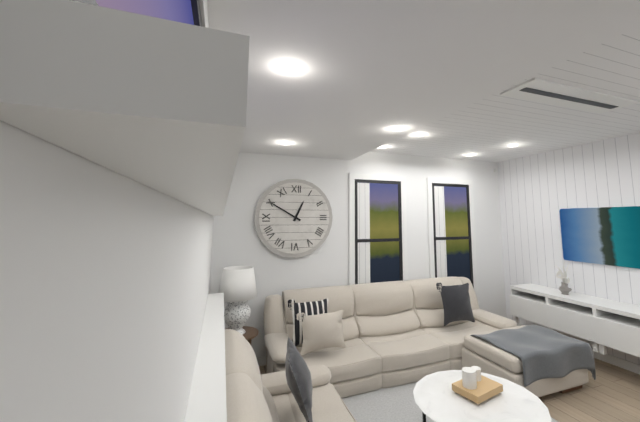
12:50
